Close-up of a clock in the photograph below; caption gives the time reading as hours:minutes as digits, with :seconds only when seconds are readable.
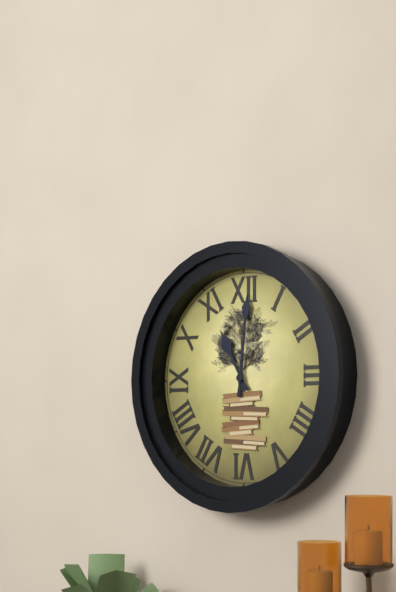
11:01
